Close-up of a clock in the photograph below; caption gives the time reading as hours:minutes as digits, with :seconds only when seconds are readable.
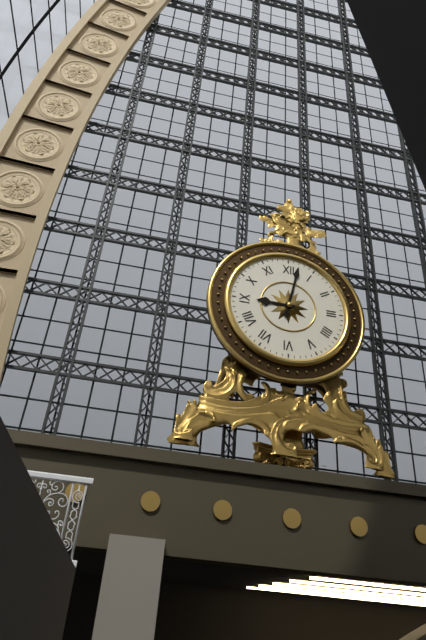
9:02
